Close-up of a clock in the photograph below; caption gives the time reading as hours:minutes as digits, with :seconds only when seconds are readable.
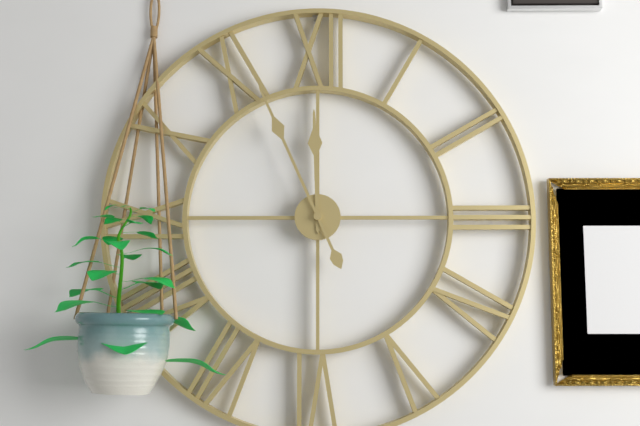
11:56
